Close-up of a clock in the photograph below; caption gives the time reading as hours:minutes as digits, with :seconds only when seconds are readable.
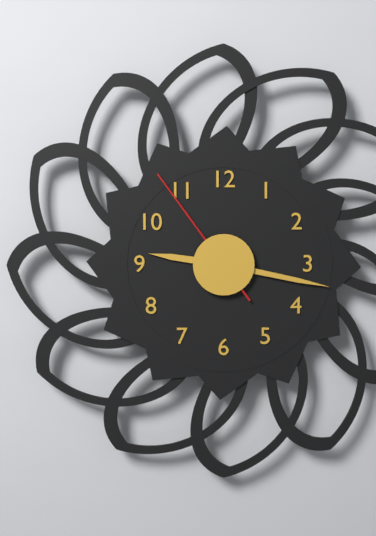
9:17:54
